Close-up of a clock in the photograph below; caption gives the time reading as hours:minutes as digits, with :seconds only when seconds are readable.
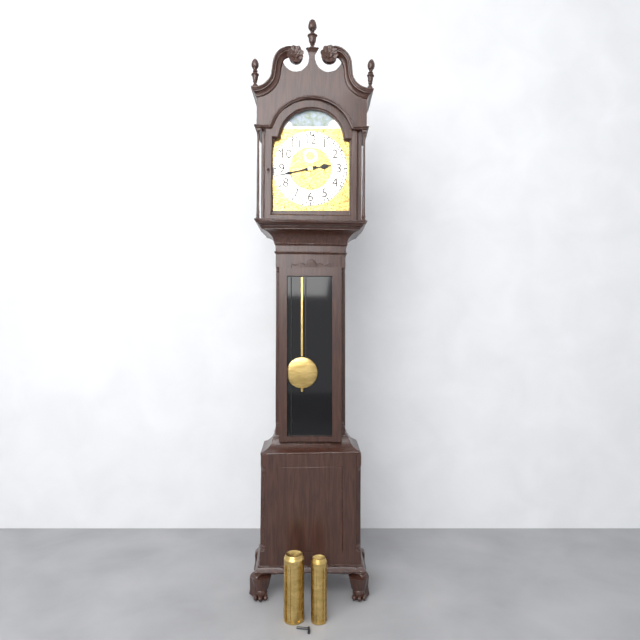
2:43
